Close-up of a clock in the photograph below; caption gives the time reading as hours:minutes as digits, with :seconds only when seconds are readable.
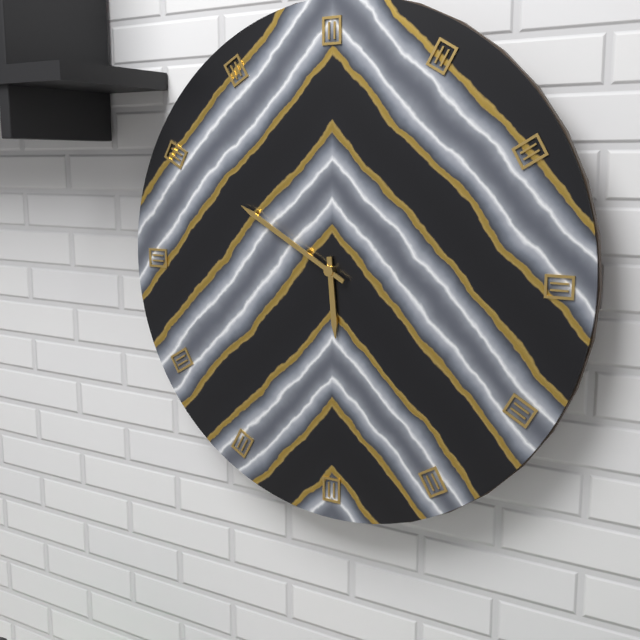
5:50
